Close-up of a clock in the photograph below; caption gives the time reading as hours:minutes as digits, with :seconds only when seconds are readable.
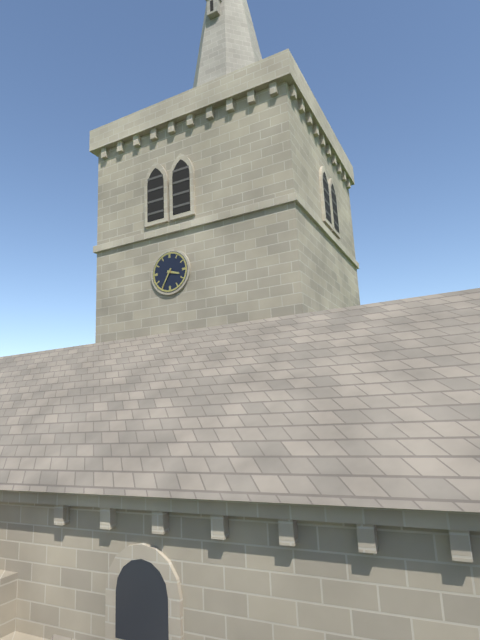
3:35
